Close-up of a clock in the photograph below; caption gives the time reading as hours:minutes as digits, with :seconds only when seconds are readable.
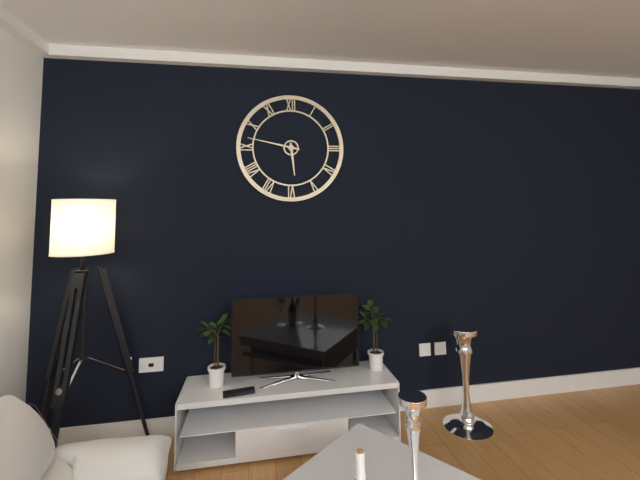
5:47
